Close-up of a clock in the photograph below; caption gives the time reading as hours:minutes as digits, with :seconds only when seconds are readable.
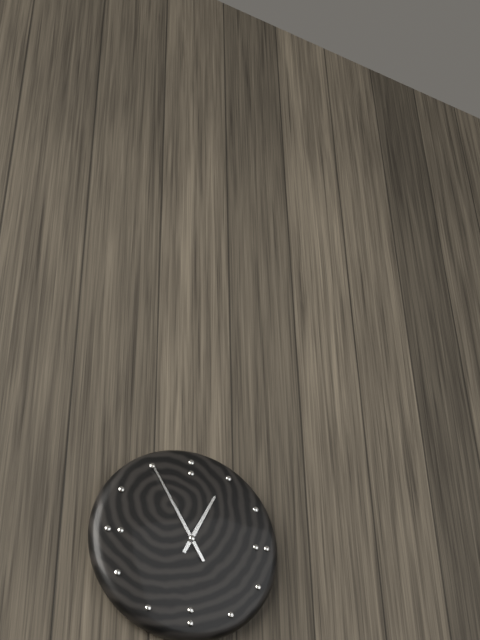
12:55
